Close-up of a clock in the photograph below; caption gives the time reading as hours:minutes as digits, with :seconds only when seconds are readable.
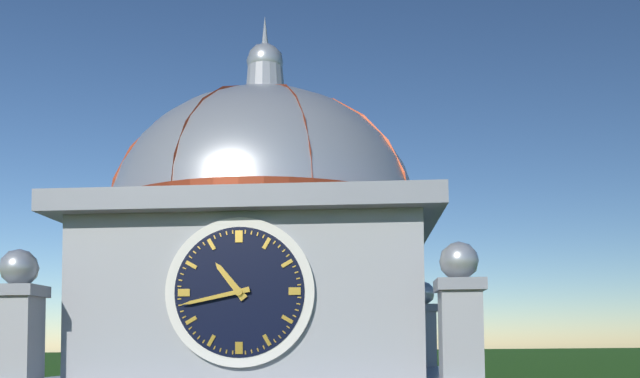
10:43
